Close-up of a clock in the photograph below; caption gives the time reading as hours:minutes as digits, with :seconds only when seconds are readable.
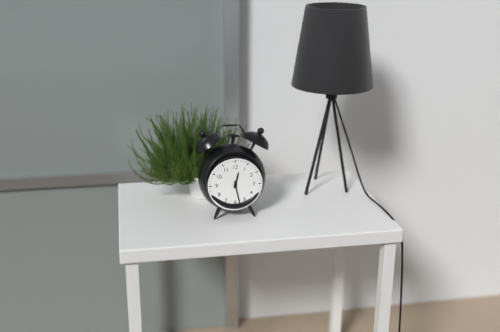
12:28
